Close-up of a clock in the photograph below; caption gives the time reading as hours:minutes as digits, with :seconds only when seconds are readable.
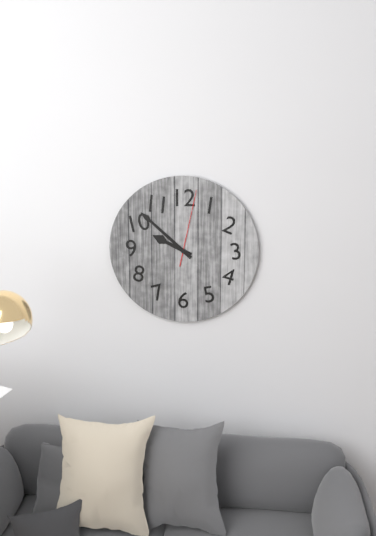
9:52:02
